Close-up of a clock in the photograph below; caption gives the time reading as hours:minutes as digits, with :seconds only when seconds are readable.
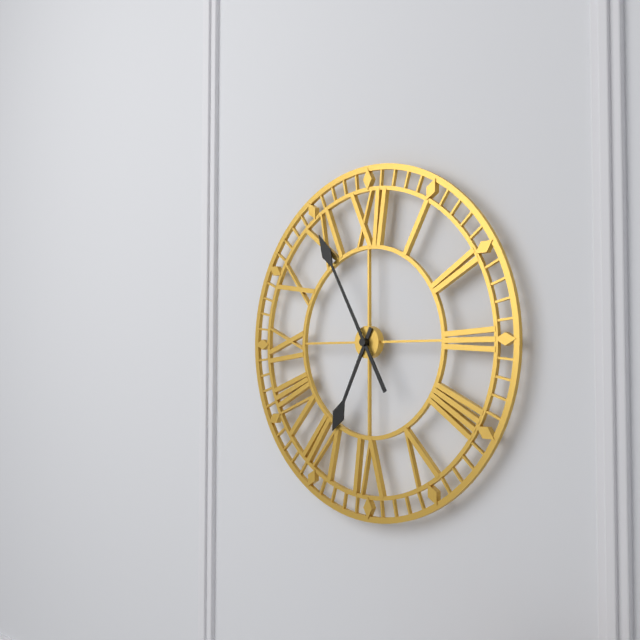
6:55
